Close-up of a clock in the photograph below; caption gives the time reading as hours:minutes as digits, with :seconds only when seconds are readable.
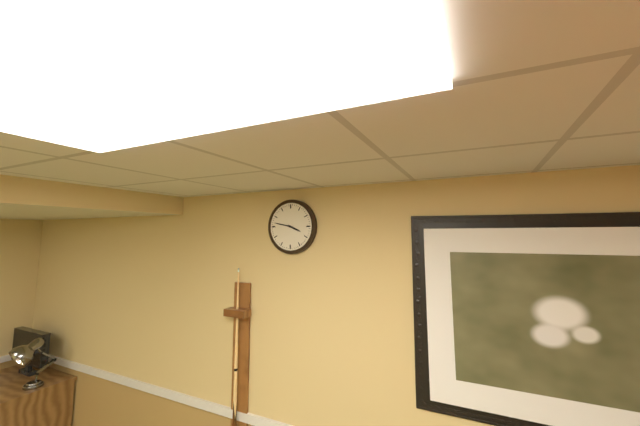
3:47
